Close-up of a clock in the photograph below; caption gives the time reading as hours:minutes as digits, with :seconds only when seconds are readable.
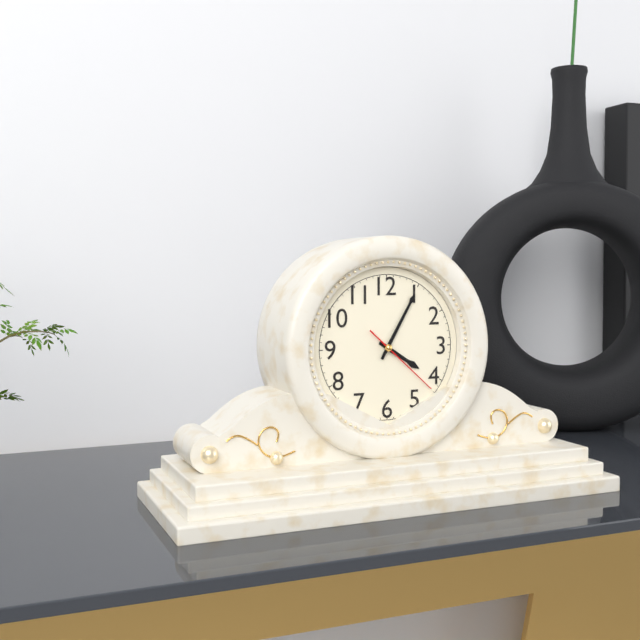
4:05:22
